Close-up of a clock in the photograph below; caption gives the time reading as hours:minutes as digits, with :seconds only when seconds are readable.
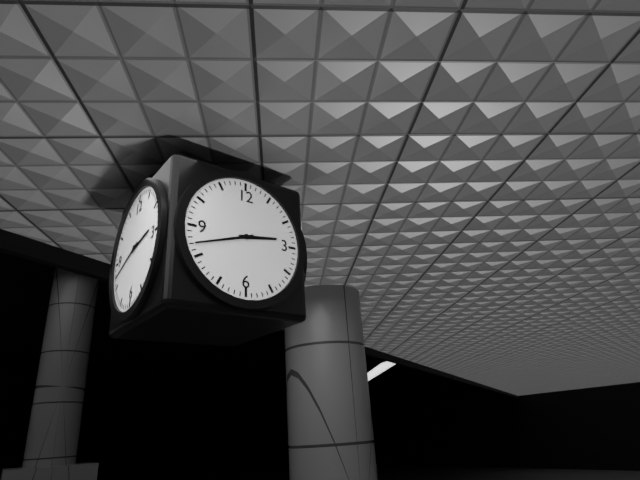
2:42
